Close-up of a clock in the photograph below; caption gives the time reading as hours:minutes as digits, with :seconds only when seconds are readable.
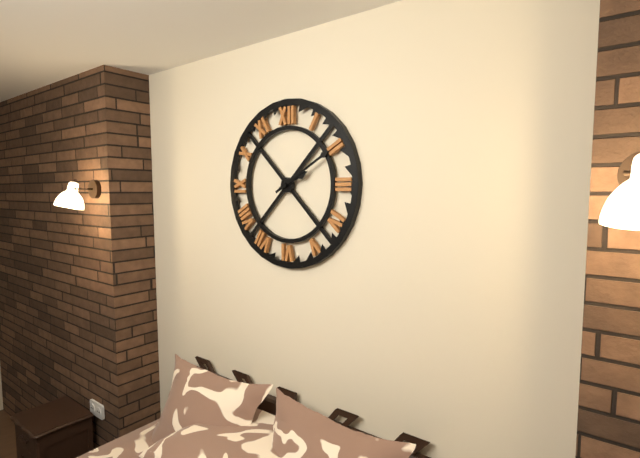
2:10
